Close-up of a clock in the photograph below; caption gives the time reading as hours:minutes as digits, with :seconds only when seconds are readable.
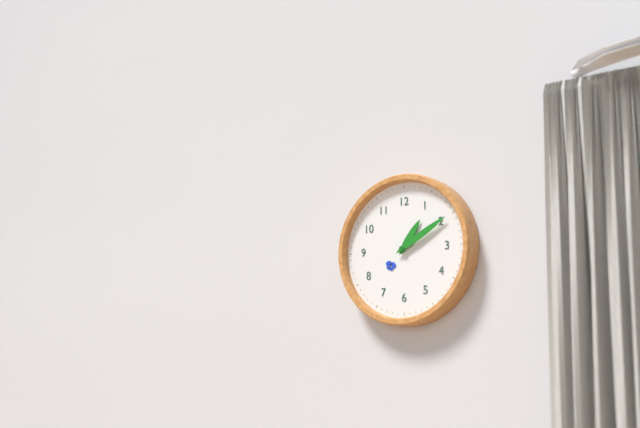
1:10
